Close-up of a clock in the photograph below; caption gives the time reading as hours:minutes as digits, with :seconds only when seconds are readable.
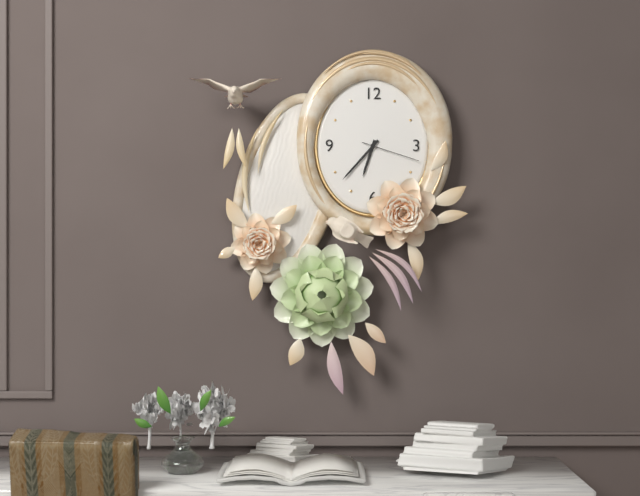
6:37:18
